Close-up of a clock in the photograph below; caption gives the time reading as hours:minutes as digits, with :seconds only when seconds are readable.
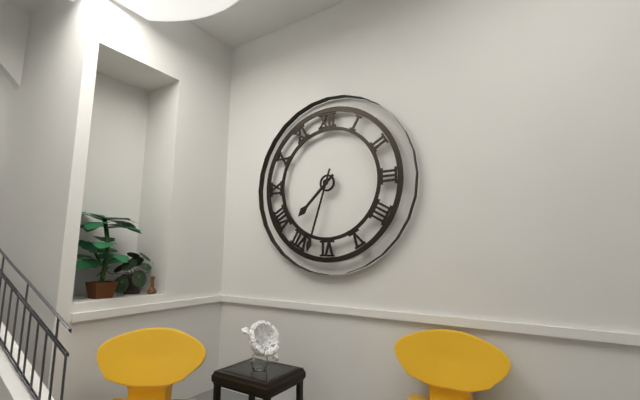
7:33
